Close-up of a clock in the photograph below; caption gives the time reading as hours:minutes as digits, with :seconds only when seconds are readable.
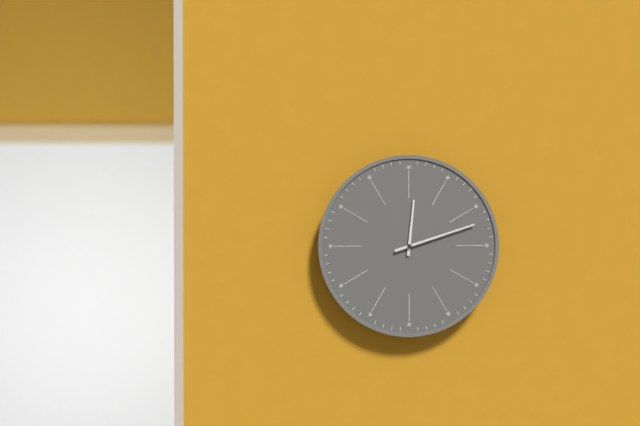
12:12
